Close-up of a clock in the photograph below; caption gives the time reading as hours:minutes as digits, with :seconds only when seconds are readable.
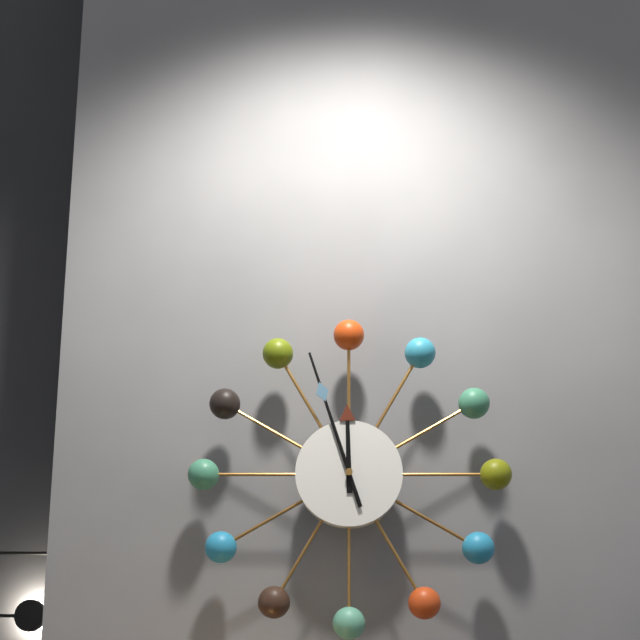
11:57
